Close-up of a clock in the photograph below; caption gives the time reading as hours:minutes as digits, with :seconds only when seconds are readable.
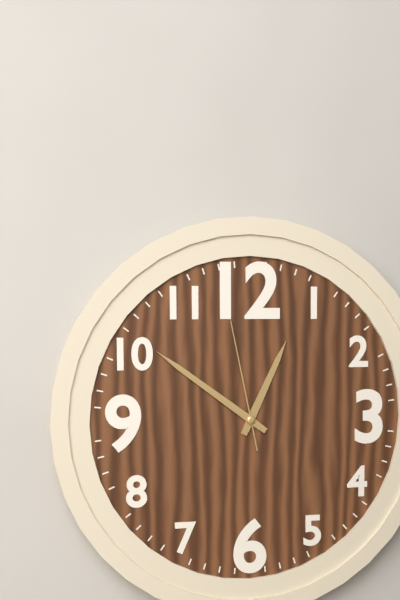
12:51:58
